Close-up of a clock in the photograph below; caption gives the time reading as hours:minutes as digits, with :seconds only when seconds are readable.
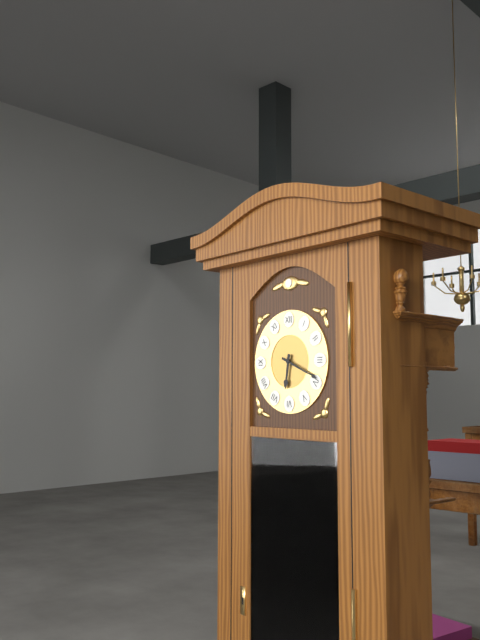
6:19
